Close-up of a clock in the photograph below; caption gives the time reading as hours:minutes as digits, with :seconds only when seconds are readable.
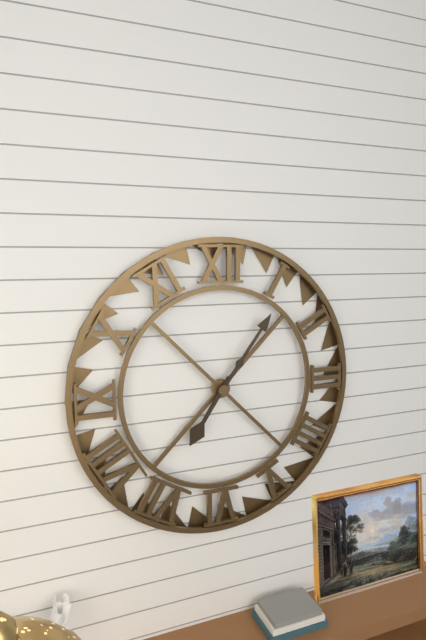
7:06
